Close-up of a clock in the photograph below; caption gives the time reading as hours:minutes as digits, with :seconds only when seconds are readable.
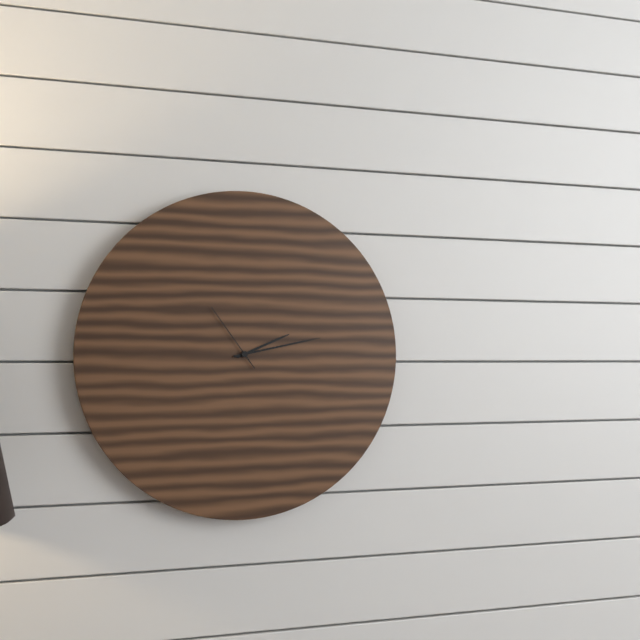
2:13:54
